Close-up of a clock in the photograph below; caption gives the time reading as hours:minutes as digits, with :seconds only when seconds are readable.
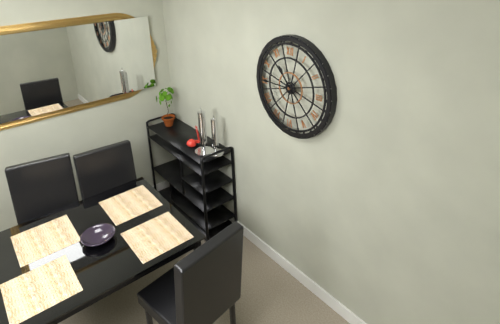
10:45
